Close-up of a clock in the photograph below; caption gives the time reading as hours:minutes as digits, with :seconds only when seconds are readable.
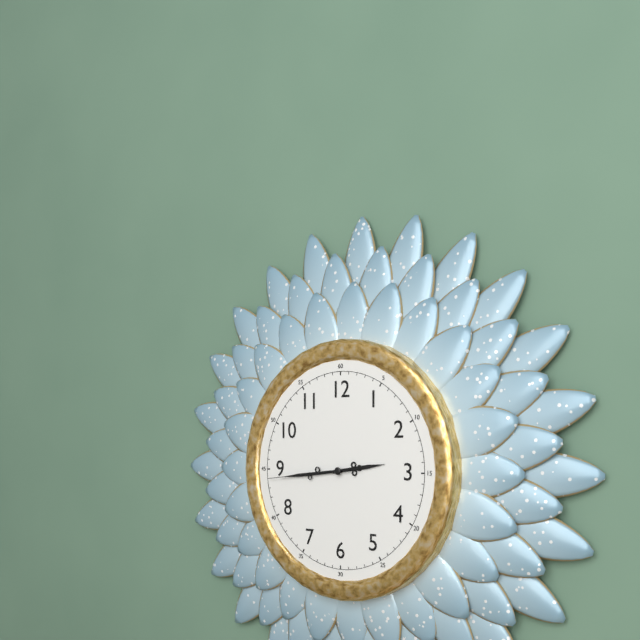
2:44:44
